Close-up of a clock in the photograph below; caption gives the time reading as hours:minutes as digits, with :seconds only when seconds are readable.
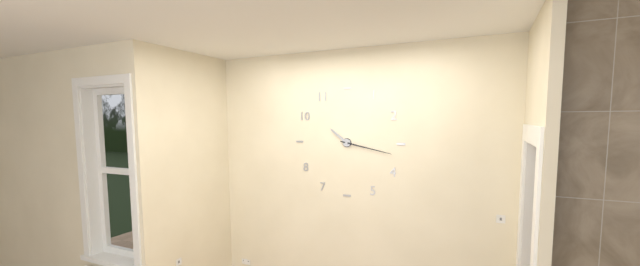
10:17
